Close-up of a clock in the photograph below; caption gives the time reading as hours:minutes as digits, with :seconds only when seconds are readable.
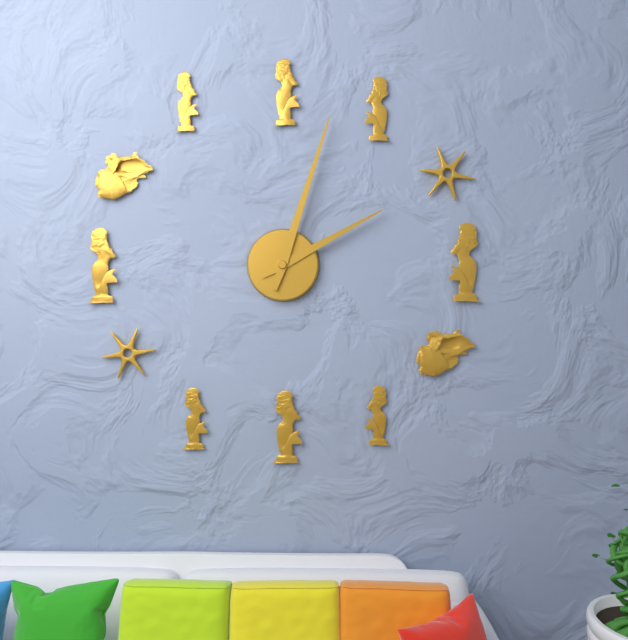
2:03
